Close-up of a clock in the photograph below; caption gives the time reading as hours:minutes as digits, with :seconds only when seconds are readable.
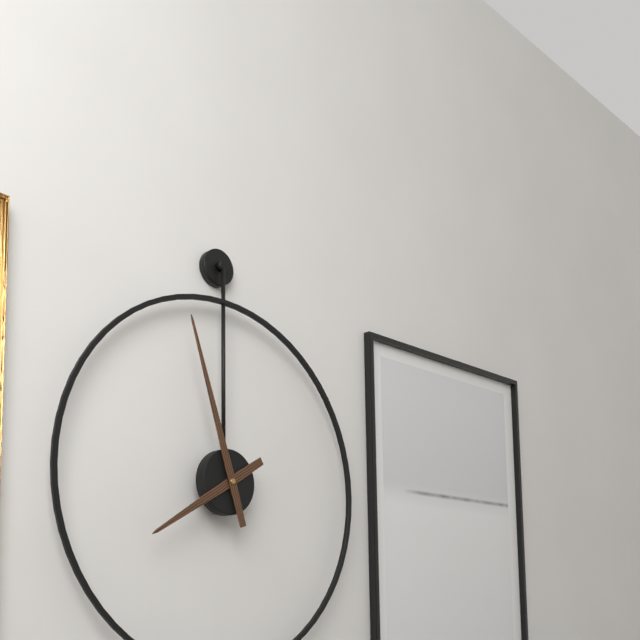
7:57
